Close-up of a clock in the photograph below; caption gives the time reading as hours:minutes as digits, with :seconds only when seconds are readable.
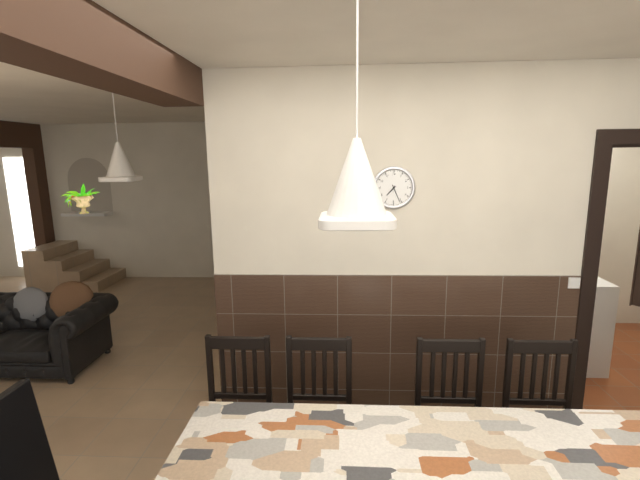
7:26
